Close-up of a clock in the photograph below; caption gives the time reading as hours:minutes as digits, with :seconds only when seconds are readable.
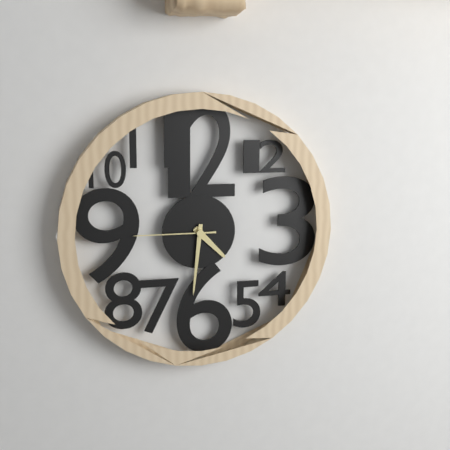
4:31:45
